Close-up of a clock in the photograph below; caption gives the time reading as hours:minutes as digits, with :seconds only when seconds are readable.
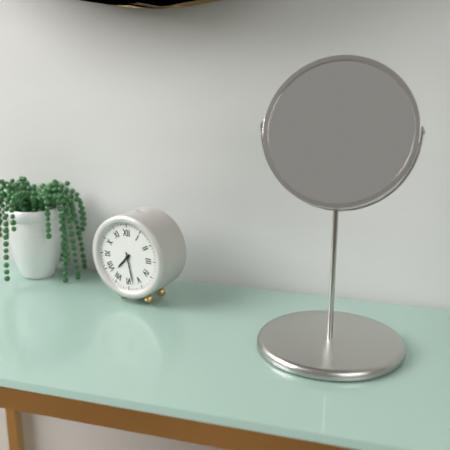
7:28
